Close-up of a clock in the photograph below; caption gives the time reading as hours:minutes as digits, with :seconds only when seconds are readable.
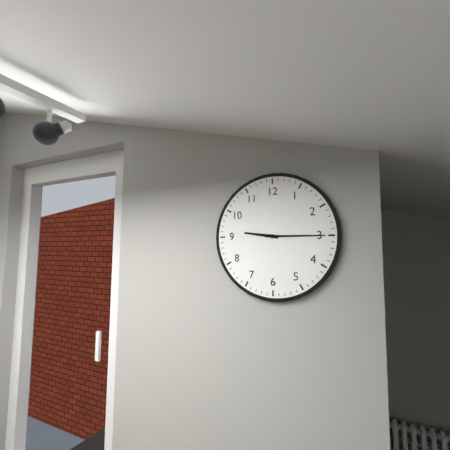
9:15
